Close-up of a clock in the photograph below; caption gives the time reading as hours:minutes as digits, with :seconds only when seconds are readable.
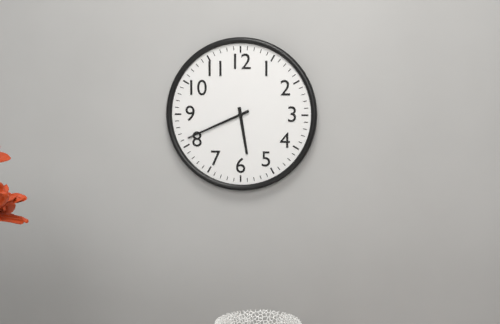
5:41
